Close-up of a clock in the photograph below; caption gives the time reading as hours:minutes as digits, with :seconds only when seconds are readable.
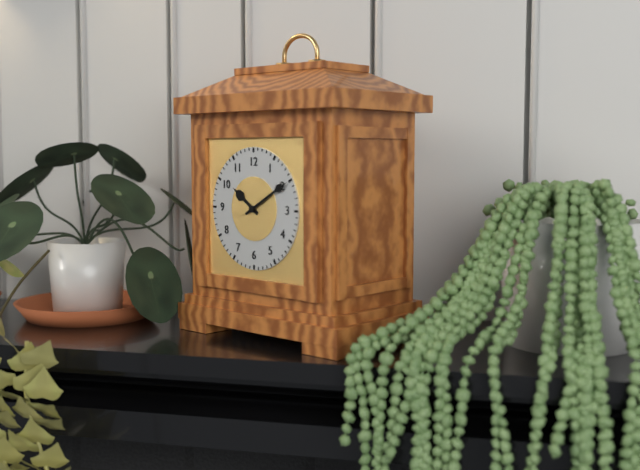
10:10
